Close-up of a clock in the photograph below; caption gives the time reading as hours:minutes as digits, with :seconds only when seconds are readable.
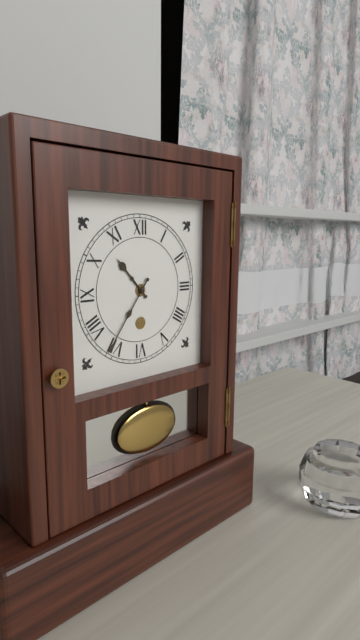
10:36
